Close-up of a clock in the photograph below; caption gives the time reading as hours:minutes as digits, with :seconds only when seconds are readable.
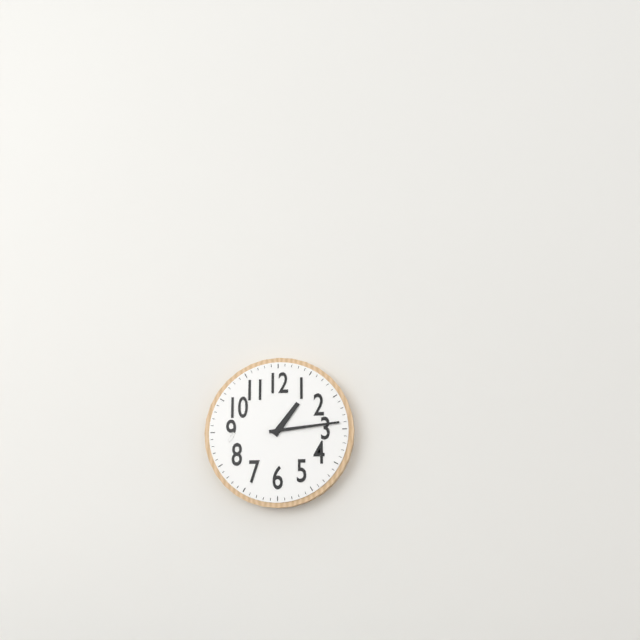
1:14
